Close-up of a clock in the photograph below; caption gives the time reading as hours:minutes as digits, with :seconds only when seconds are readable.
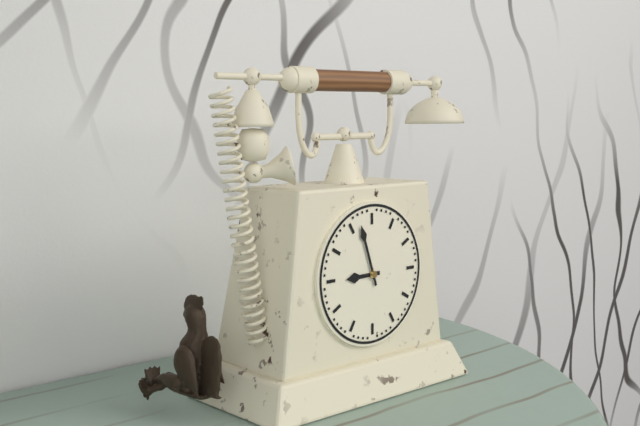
8:57
